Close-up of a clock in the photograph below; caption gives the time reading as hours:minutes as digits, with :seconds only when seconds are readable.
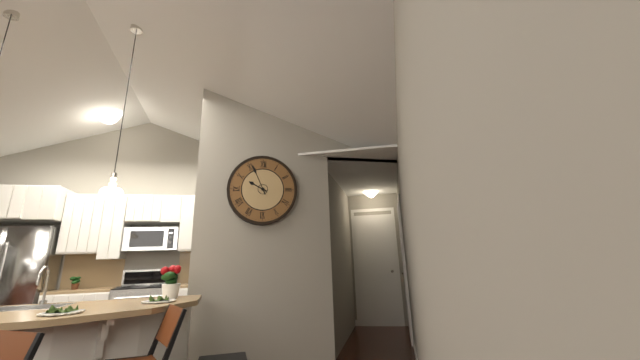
9:56
